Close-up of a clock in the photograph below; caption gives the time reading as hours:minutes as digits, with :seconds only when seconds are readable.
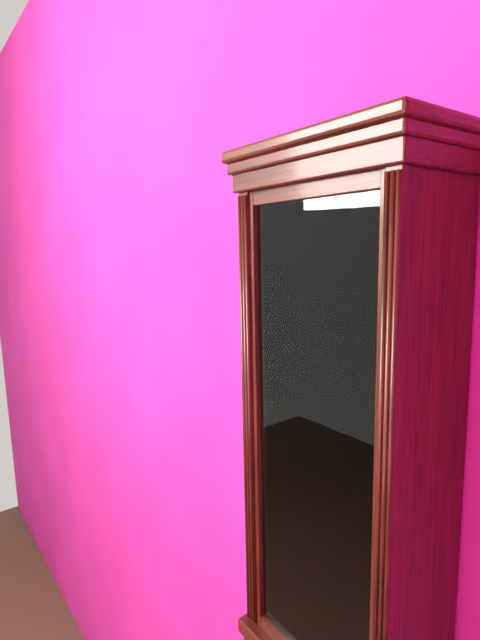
5:45
